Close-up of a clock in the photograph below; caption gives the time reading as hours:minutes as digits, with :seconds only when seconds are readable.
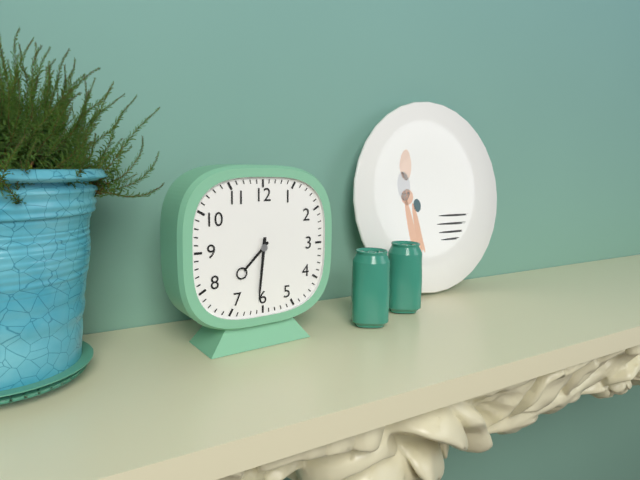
7:31
